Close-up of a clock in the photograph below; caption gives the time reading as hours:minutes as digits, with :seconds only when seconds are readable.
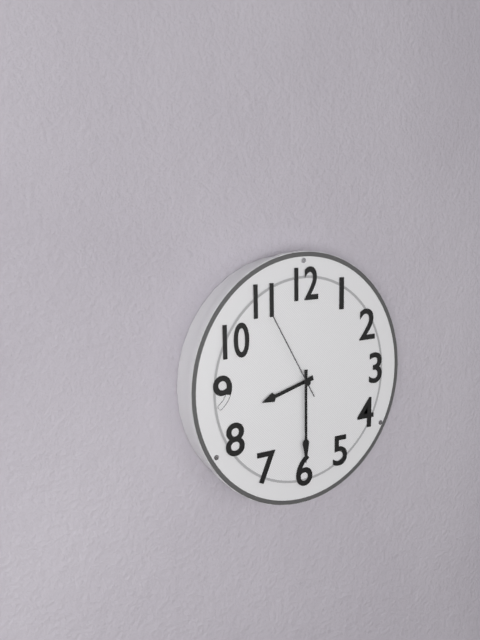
8:30:55
